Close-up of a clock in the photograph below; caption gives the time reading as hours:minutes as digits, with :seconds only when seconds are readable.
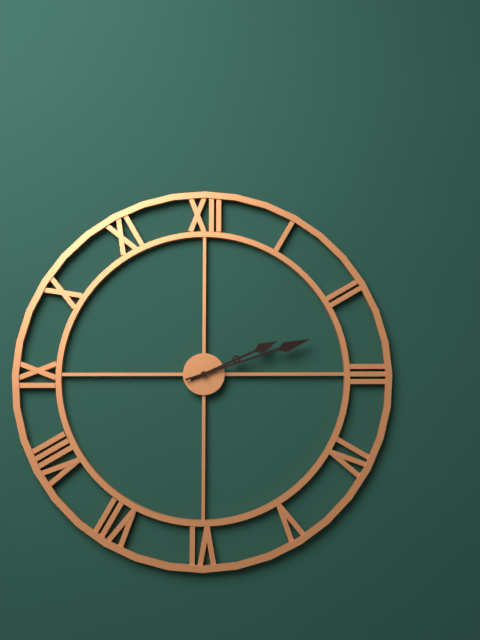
2:12
